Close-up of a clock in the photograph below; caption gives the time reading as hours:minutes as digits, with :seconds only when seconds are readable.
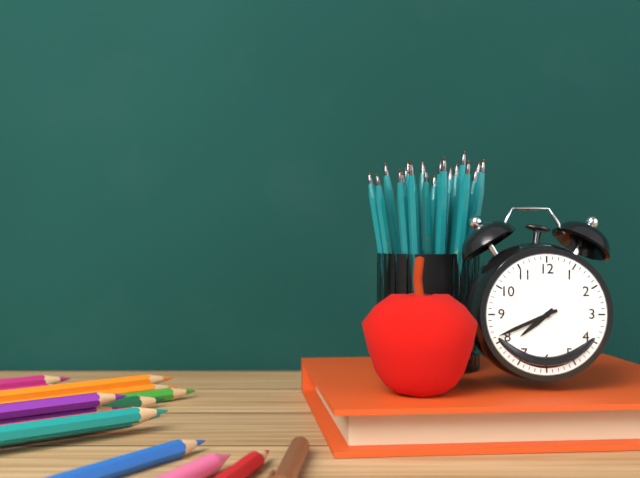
7:41
